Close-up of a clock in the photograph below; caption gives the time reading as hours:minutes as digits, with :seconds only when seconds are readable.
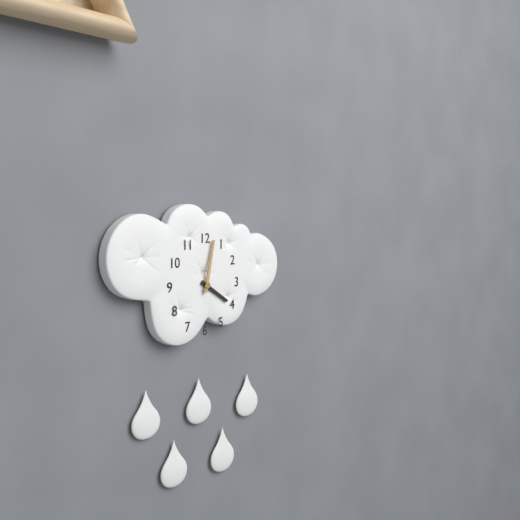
4:02
